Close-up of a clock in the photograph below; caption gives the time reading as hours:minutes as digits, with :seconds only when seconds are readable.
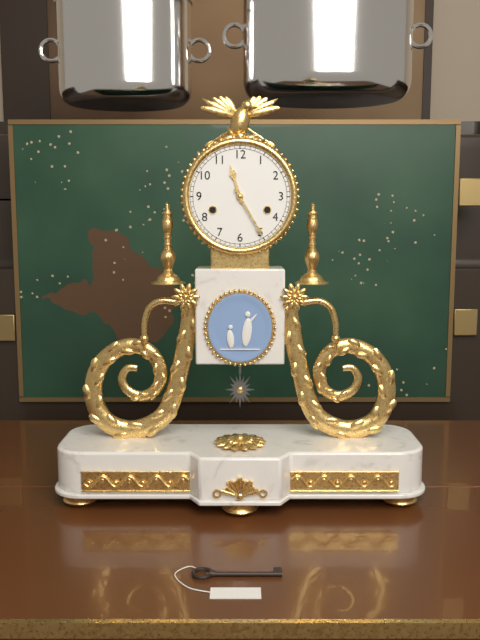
11:25
